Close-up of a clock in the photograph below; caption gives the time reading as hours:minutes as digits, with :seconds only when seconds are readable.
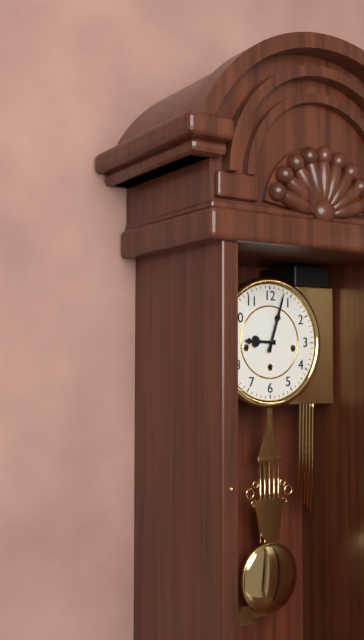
9:03
